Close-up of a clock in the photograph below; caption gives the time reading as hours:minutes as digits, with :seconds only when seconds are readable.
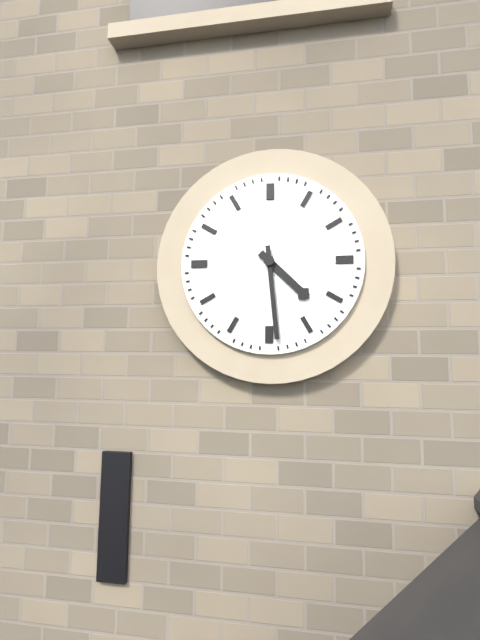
4:29
